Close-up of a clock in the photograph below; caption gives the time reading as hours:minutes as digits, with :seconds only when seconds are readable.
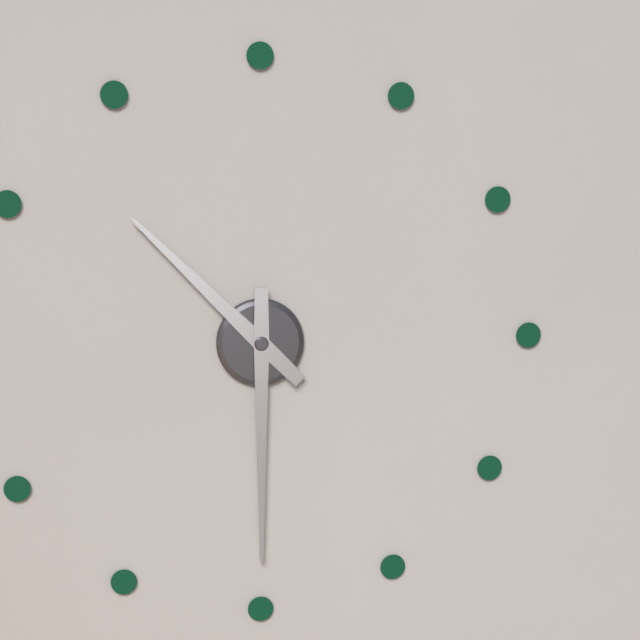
10:30
